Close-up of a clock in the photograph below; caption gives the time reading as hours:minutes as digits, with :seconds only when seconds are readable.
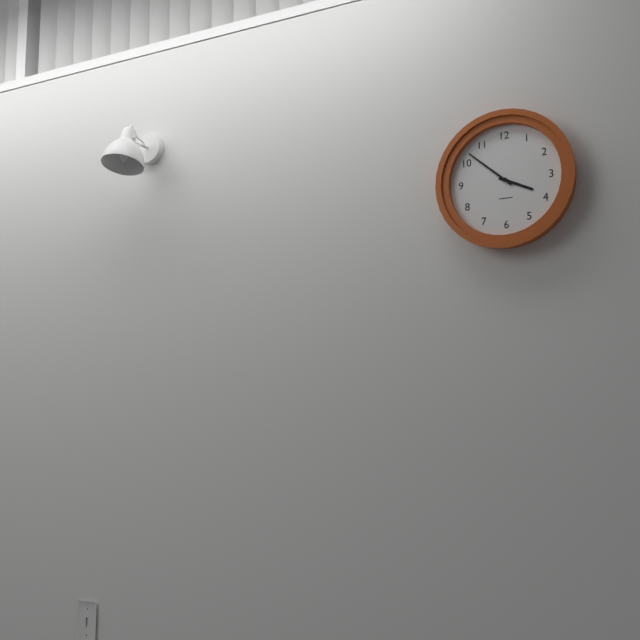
3:52
